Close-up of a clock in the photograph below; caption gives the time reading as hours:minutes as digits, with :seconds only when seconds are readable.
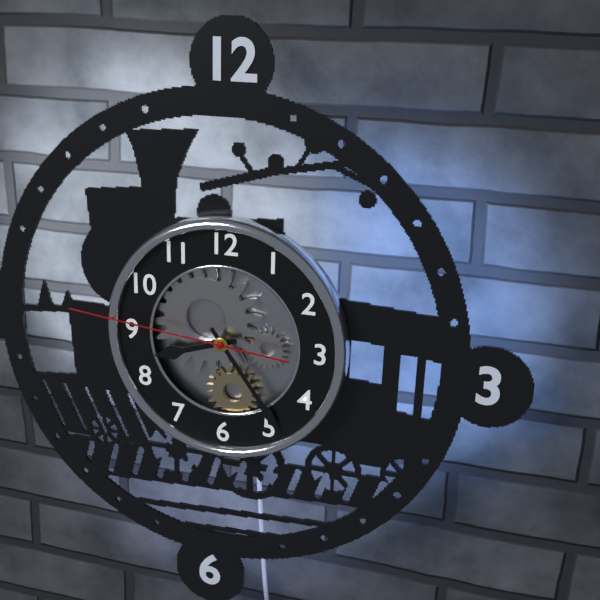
8:24:46
